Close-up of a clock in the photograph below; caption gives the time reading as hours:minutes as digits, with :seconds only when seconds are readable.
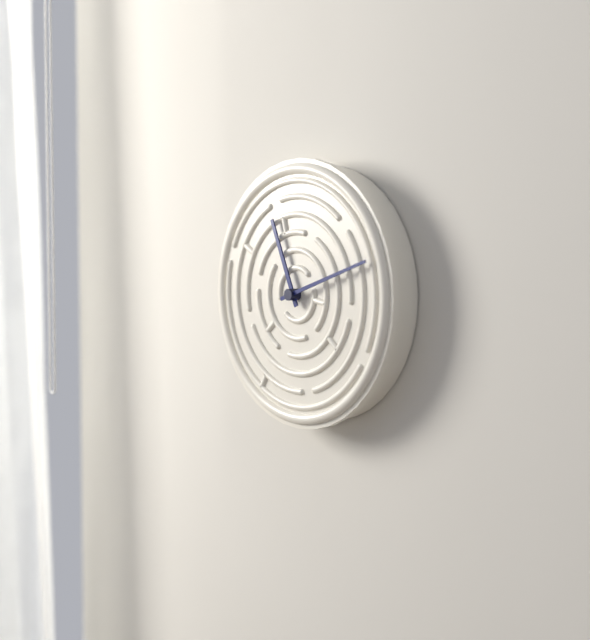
11:12
